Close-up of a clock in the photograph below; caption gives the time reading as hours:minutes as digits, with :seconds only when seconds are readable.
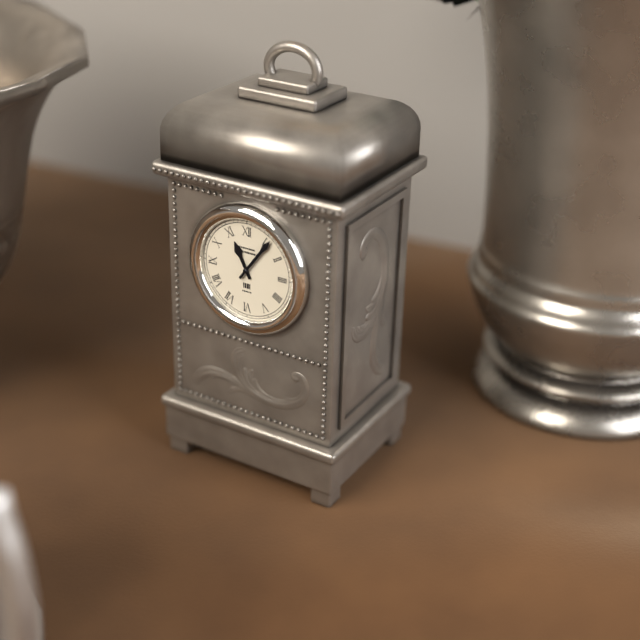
11:06
